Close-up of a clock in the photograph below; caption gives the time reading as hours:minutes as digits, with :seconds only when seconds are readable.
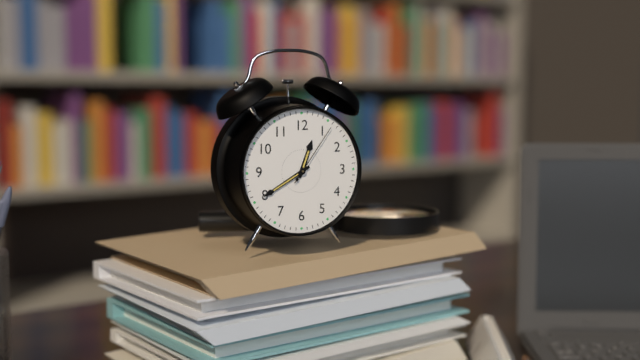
12:40:06
